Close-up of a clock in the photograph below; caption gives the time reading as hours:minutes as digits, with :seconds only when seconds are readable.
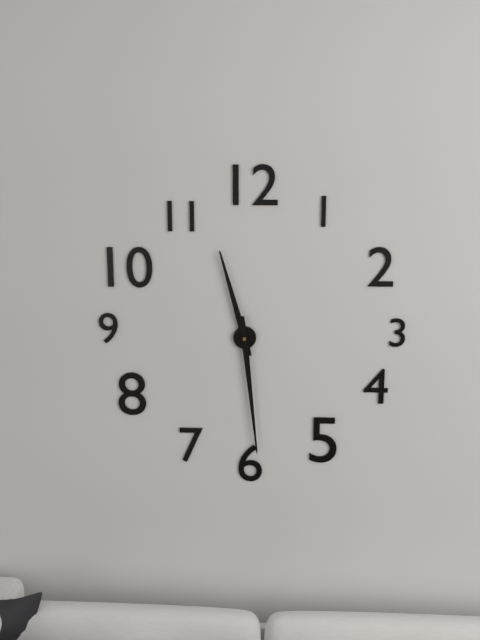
11:29
